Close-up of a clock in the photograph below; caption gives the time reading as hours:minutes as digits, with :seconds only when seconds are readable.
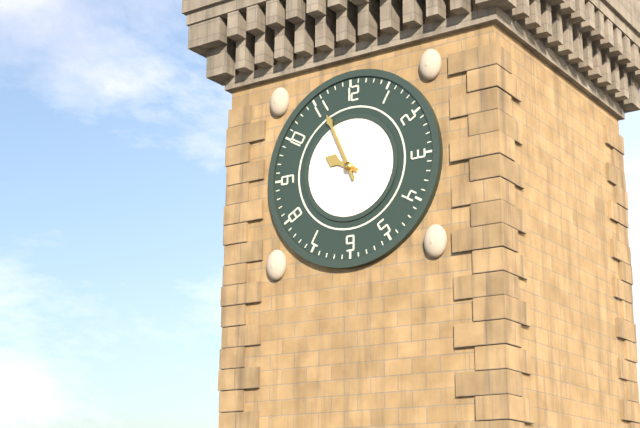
9:56
